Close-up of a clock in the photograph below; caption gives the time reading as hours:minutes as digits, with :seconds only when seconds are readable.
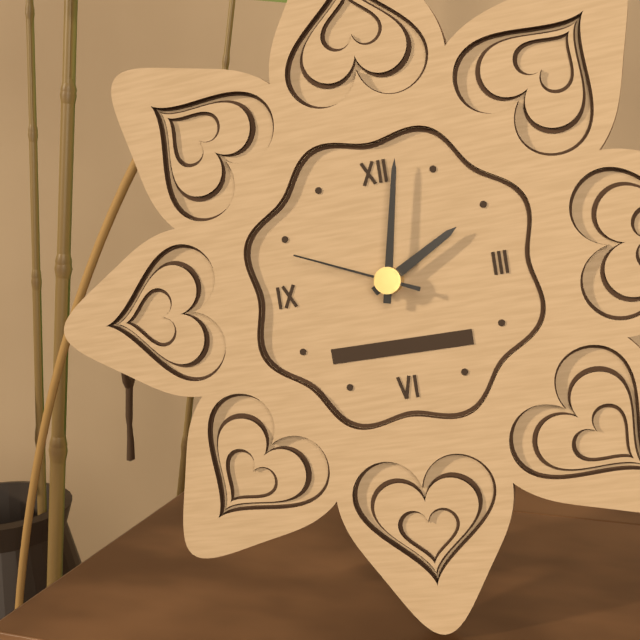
2:02:49
